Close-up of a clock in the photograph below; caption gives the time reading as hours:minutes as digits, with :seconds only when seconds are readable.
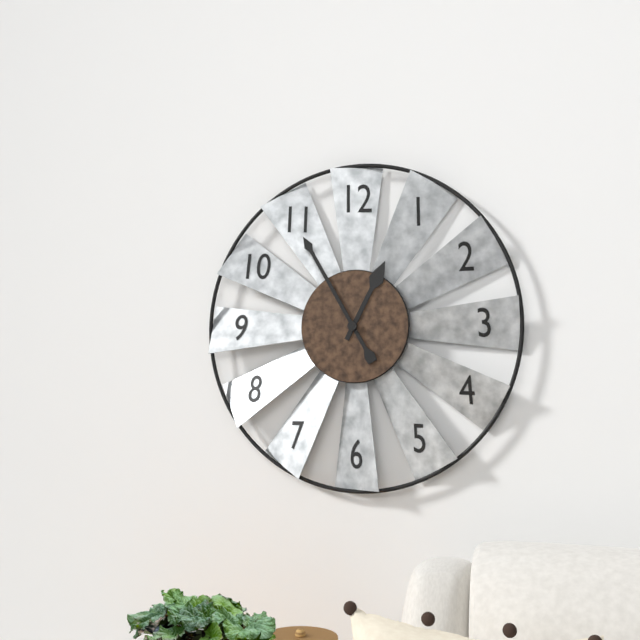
12:55
